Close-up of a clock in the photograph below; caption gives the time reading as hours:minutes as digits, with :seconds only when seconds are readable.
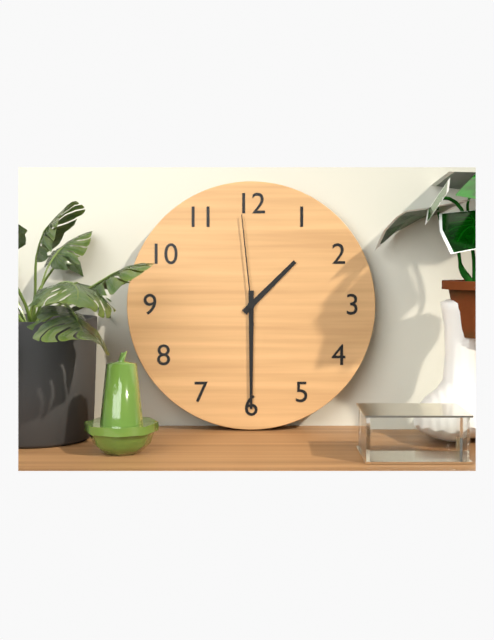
1:30:59
